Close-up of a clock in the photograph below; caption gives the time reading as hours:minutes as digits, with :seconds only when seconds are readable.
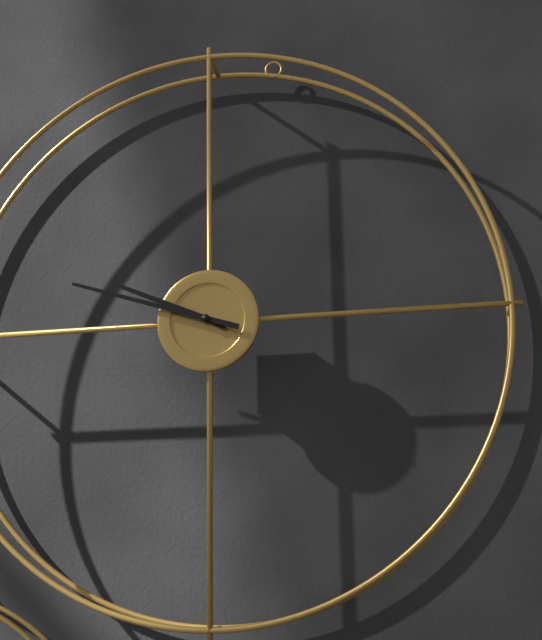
9:48
